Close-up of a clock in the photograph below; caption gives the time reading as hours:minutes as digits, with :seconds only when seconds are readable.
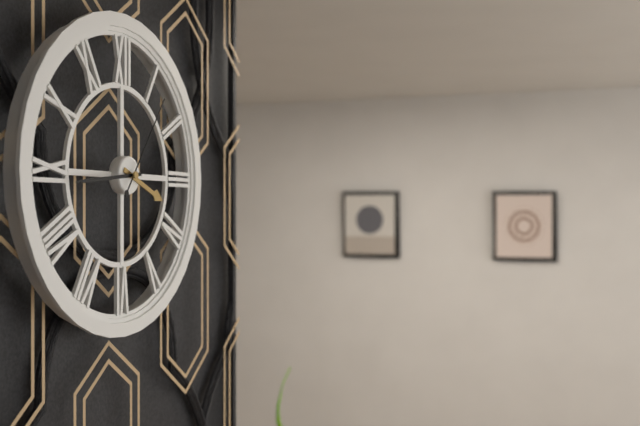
3:44:06
